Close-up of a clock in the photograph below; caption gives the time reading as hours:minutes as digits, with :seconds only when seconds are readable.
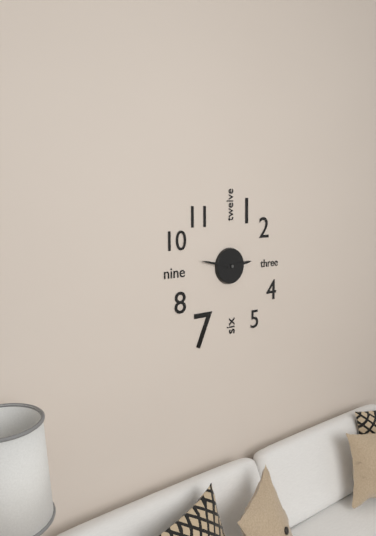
2:47
